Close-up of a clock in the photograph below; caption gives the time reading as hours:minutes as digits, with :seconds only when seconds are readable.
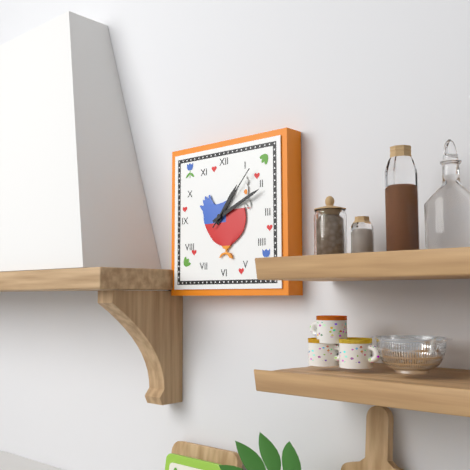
1:11:07
